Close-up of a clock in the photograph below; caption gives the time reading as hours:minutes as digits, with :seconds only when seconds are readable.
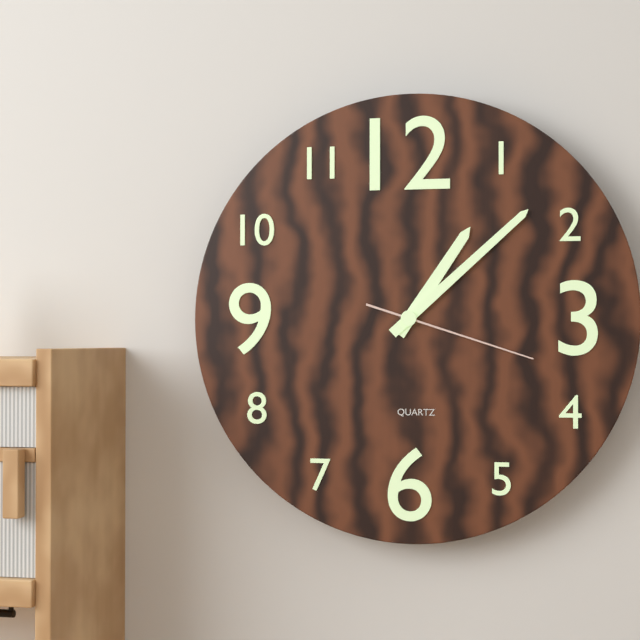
1:08:18
